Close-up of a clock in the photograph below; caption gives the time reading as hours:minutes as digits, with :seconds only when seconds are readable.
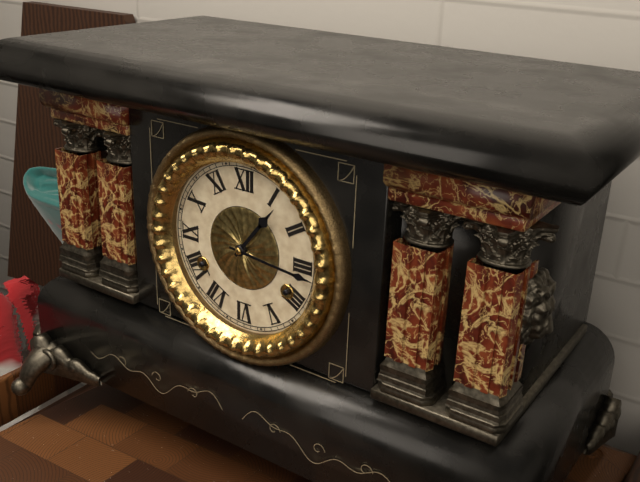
1:16
